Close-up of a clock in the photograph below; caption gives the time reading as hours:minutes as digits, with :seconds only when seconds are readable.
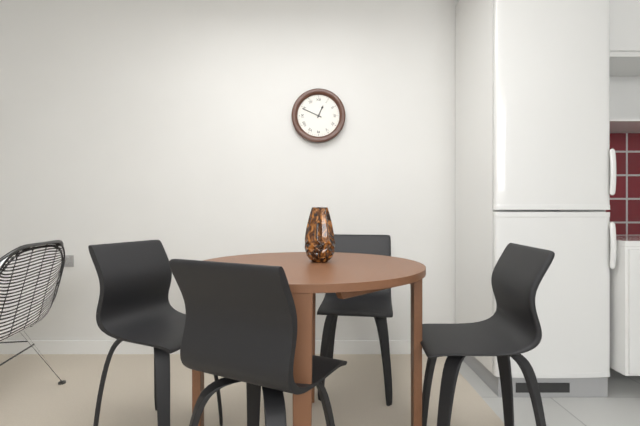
12:49
